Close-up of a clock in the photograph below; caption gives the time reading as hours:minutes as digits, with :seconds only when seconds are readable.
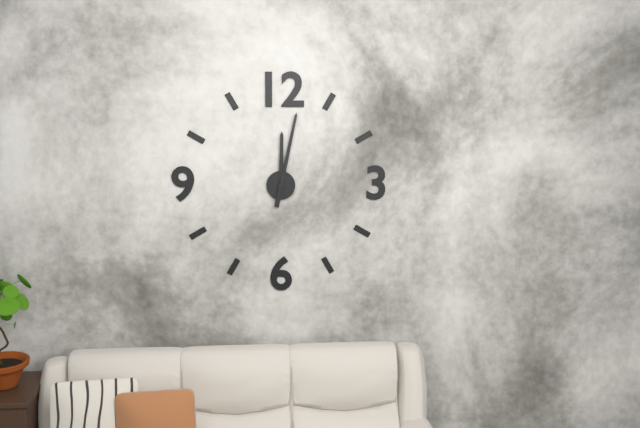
12:02
